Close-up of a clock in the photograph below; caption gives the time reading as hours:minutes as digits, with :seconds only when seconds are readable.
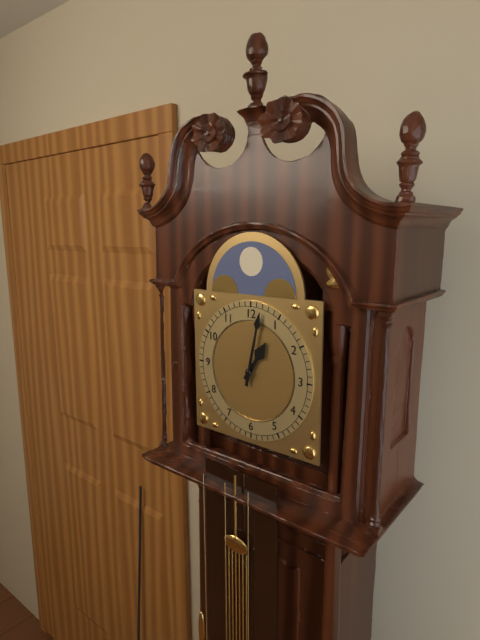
1:02
